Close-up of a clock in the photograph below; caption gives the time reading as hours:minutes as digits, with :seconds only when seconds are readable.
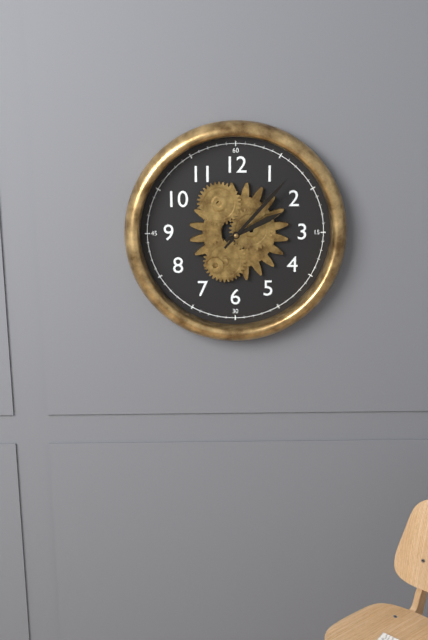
2:07
